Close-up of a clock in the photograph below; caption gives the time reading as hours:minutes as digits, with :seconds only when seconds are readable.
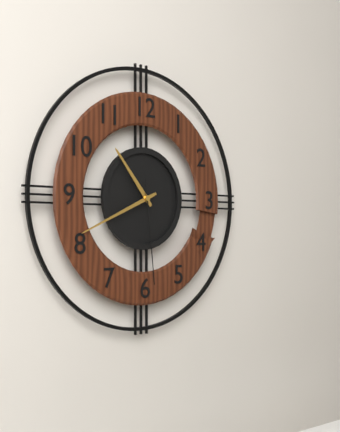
10:41:29
